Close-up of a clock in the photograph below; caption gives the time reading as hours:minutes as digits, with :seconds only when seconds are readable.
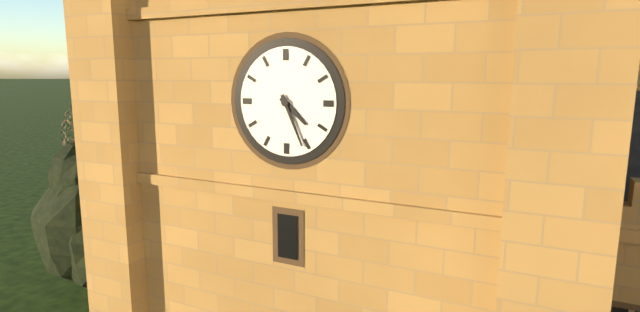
4:26
